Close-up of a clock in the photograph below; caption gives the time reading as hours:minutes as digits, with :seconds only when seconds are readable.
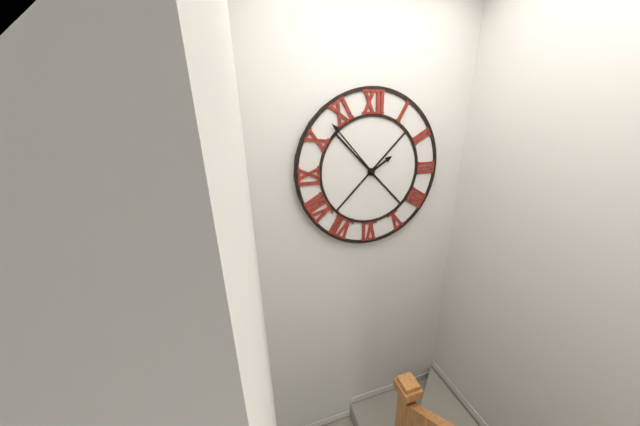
1:53
